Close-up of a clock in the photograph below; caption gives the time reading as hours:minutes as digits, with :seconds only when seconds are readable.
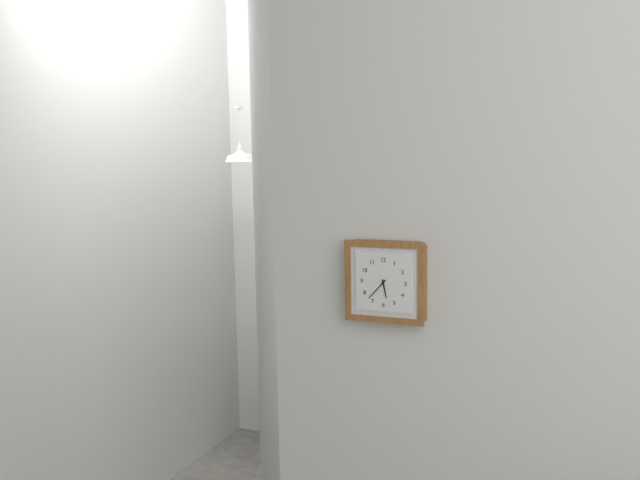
5:37
